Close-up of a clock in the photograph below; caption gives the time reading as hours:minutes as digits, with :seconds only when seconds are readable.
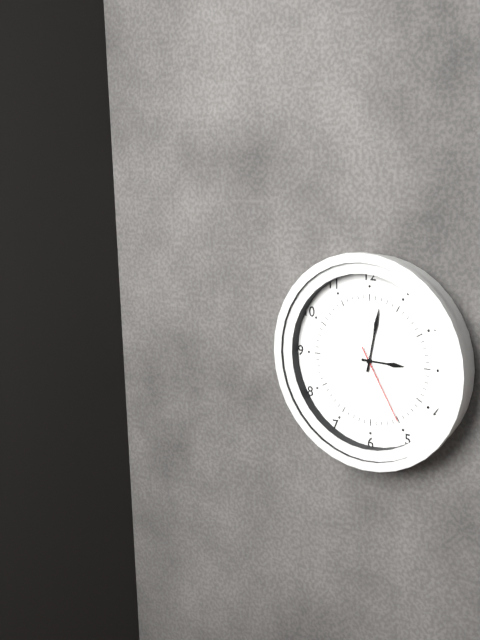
3:02:25
